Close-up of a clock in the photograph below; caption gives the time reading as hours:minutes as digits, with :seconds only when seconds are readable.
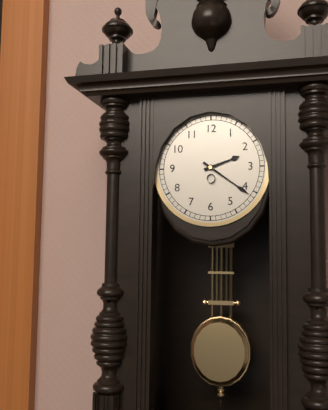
2:21
